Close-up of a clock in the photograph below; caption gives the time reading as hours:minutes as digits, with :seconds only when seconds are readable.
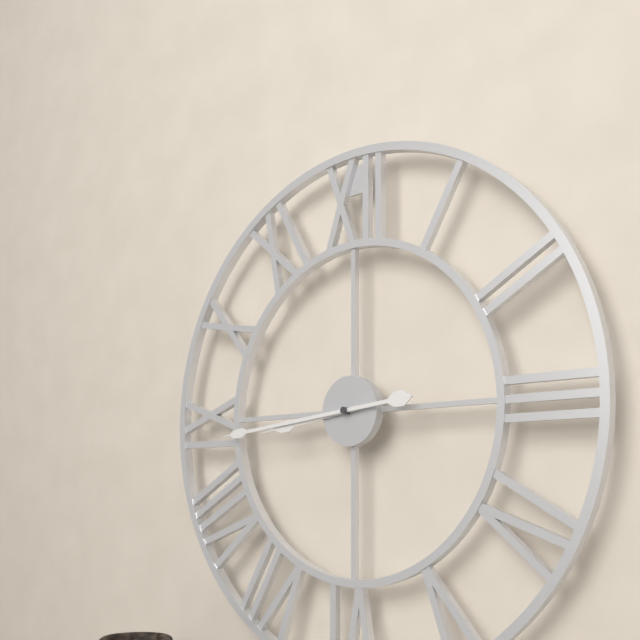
8:44
